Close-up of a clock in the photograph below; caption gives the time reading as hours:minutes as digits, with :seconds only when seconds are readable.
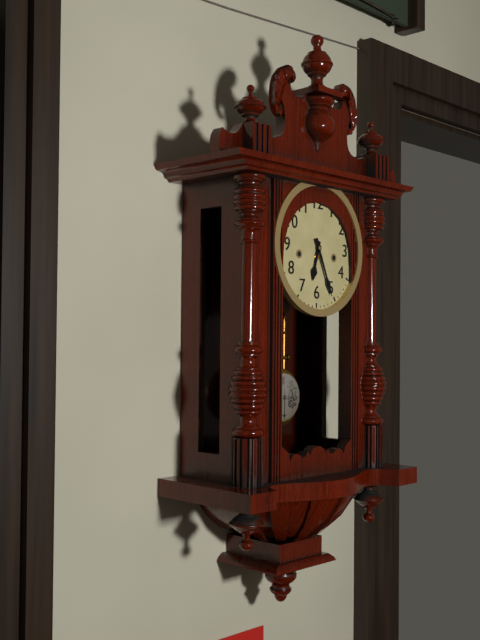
6:26
